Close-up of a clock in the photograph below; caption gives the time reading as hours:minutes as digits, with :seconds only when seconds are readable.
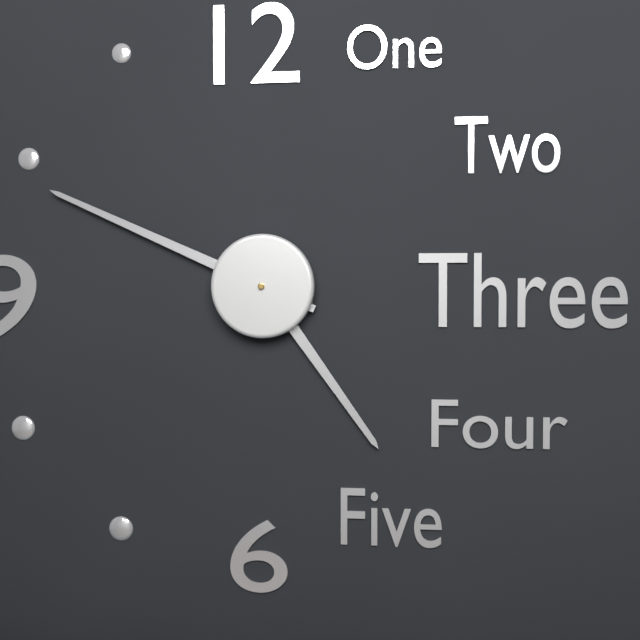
4:49
